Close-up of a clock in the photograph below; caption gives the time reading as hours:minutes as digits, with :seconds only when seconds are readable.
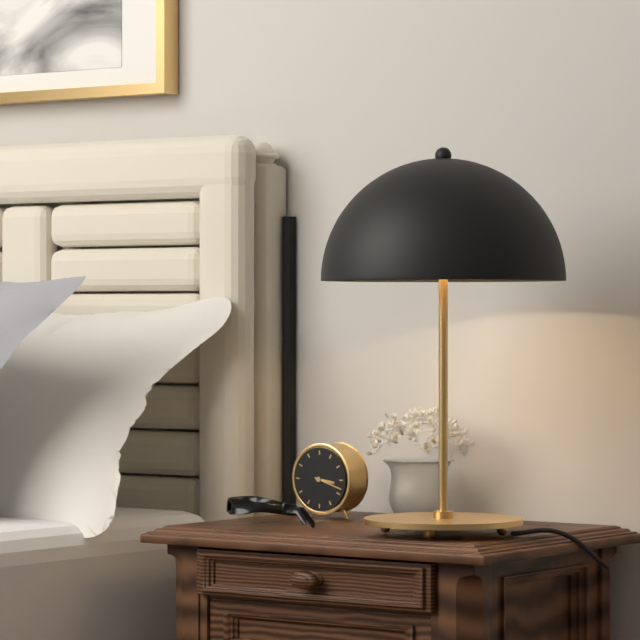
3:18
